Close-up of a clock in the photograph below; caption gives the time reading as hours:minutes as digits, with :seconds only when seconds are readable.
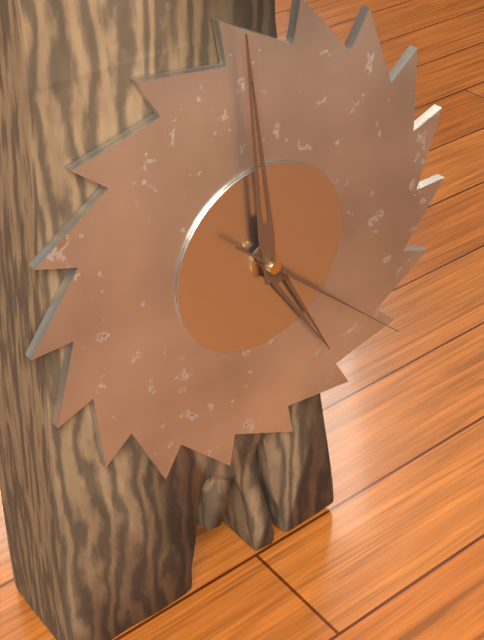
4:59:22
